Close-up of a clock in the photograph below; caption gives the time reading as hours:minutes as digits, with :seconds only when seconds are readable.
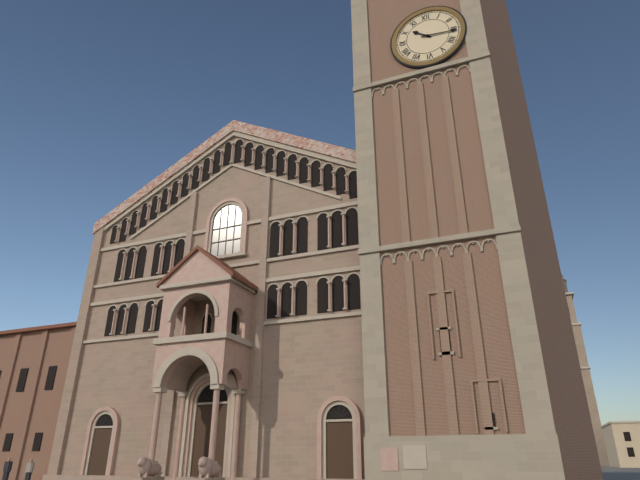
10:16
